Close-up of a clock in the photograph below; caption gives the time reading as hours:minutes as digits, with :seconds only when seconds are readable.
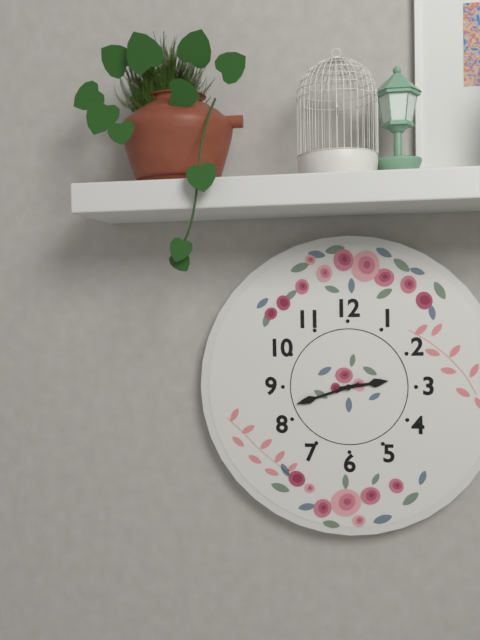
2:42
